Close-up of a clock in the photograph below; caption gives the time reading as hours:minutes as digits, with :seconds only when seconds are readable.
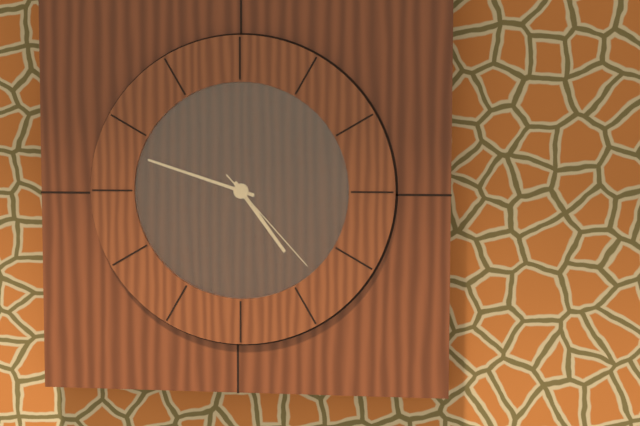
4:48:23
